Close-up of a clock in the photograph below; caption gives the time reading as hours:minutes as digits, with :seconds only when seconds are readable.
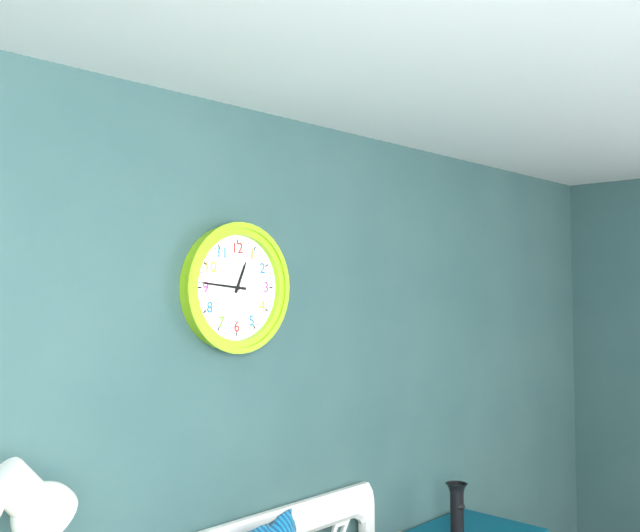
12:46
